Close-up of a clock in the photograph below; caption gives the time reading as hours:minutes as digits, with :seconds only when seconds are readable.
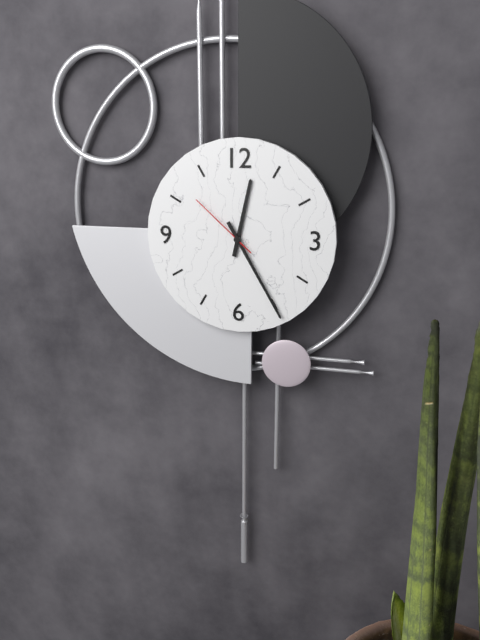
12:25:52
